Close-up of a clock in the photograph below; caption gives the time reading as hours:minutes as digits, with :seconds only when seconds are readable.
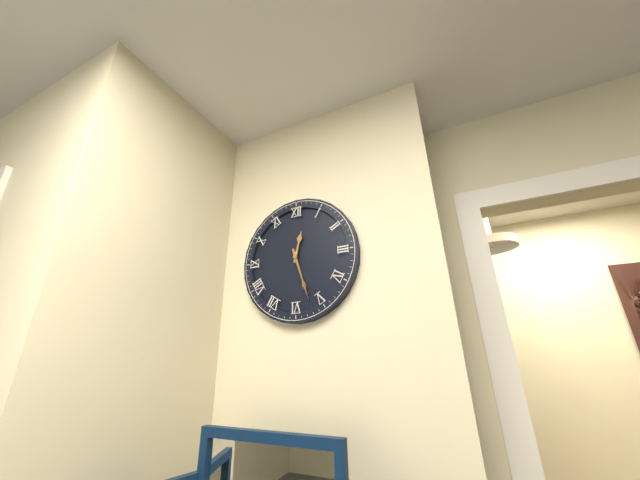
12:27
